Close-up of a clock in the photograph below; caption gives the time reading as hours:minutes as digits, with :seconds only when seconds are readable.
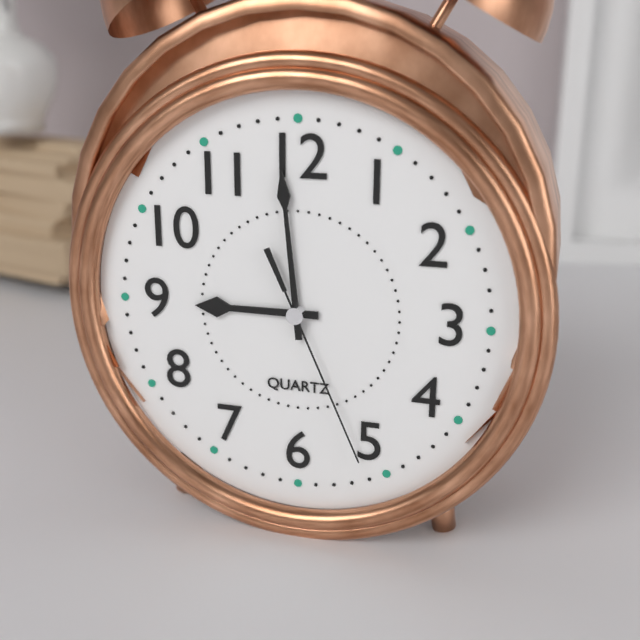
8:59:26
